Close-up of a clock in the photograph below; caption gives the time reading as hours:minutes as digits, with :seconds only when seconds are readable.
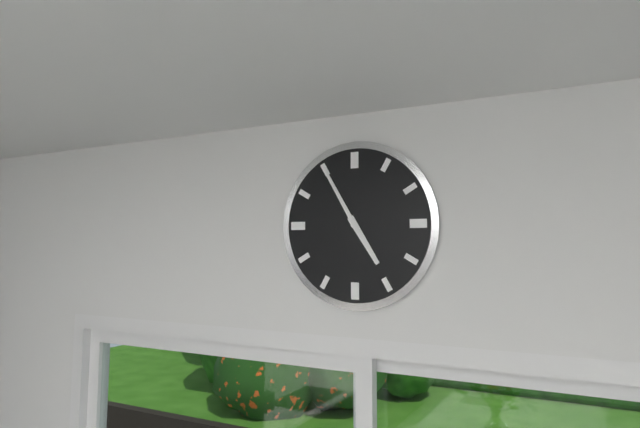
4:55
